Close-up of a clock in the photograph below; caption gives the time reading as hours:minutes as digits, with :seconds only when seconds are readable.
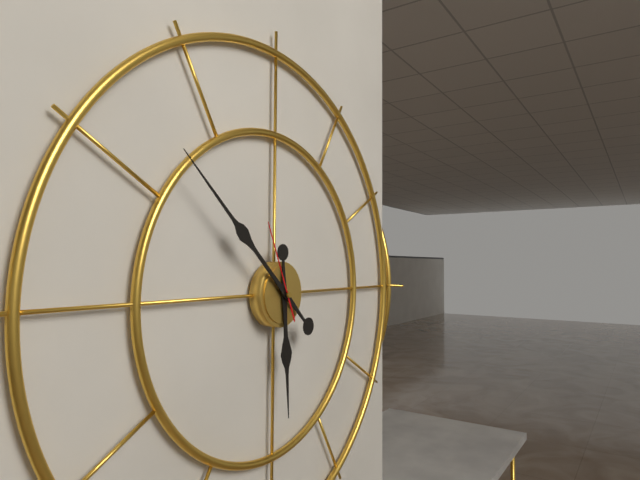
5:52:56
